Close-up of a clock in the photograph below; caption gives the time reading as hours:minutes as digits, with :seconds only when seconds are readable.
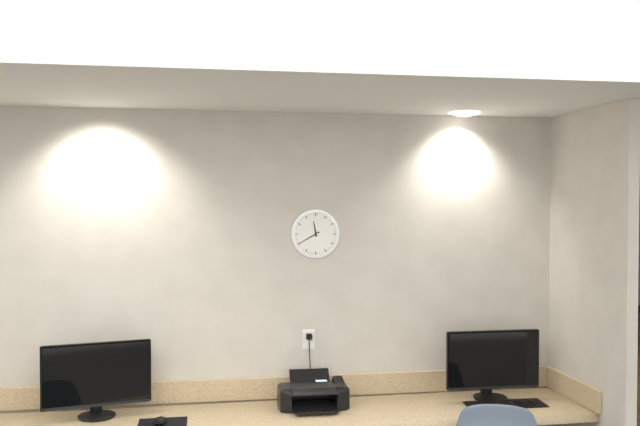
11:40
